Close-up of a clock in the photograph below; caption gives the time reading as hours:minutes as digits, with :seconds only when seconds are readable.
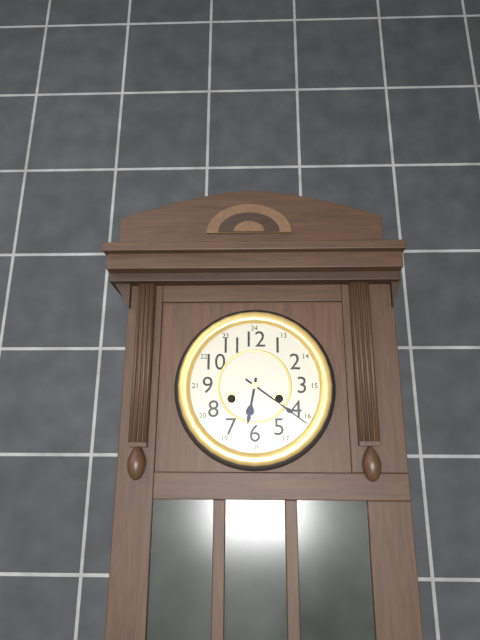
6:21
